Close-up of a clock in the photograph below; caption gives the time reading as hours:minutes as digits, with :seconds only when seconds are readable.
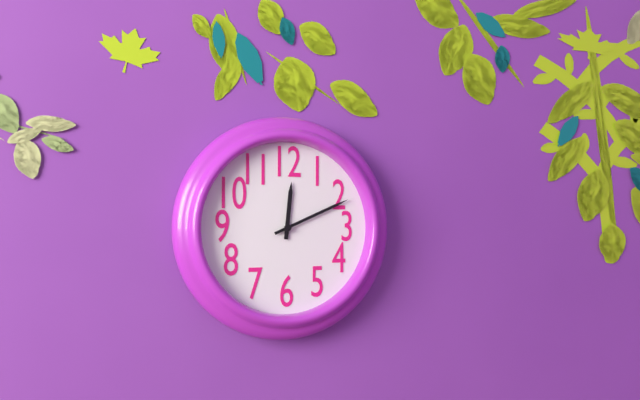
12:11
